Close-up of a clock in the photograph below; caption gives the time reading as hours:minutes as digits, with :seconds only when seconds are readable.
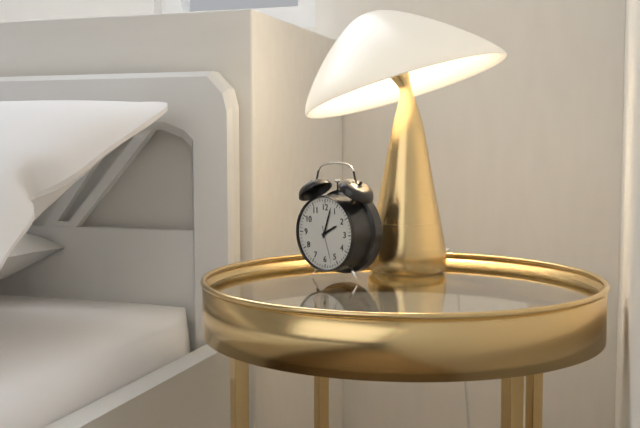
2:03
